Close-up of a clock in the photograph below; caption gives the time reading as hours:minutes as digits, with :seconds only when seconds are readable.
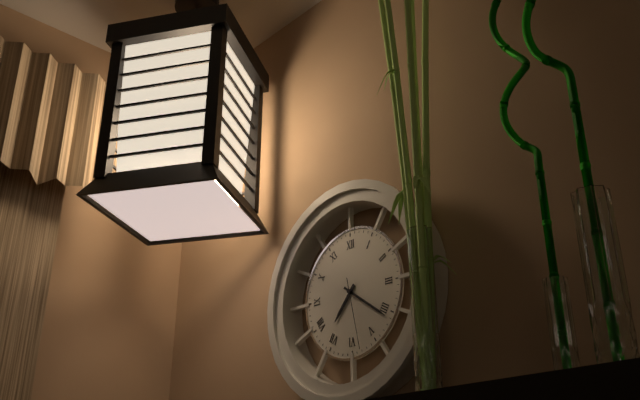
7:21:28
